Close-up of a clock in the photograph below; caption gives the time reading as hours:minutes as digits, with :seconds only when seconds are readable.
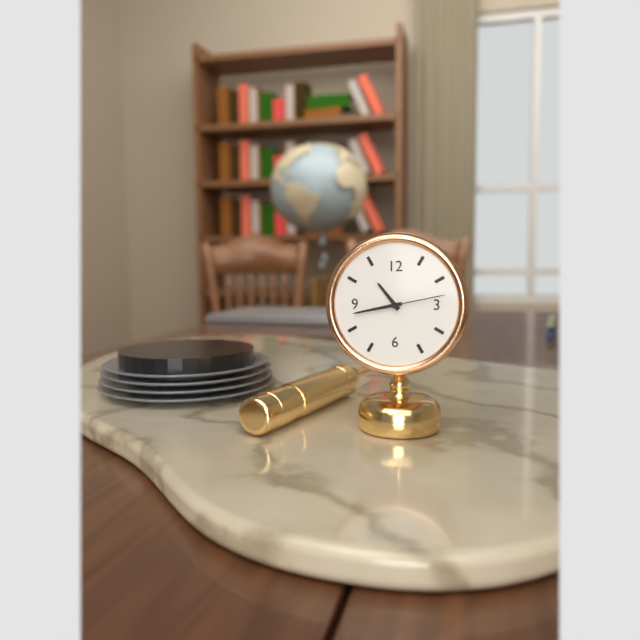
10:43:13
